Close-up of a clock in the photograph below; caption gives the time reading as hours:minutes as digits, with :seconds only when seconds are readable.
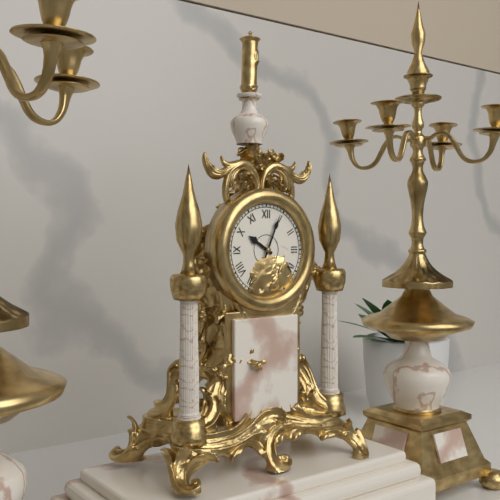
10:04
